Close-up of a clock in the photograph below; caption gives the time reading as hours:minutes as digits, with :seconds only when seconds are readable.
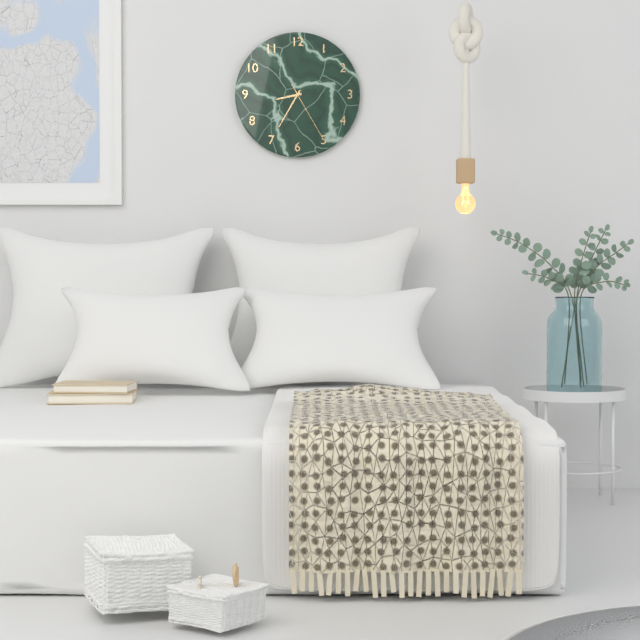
8:35:25
